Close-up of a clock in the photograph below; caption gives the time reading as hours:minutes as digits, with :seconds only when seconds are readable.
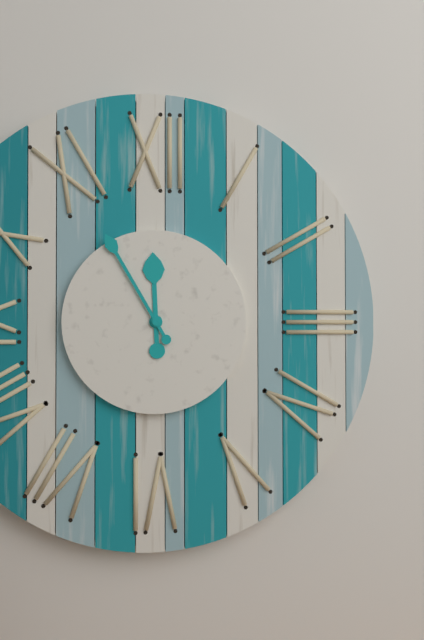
11:55
